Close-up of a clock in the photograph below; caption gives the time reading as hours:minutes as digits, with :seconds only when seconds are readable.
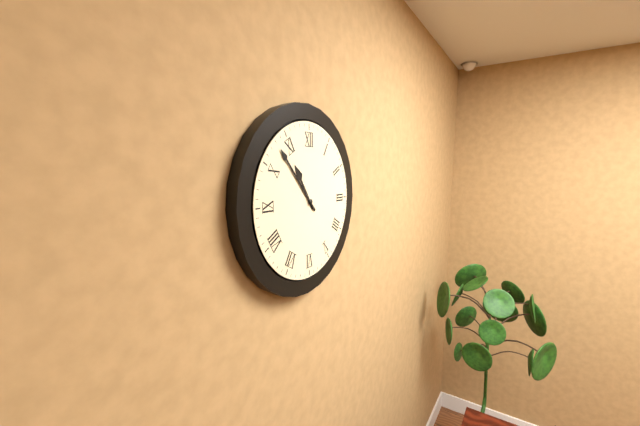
10:53
